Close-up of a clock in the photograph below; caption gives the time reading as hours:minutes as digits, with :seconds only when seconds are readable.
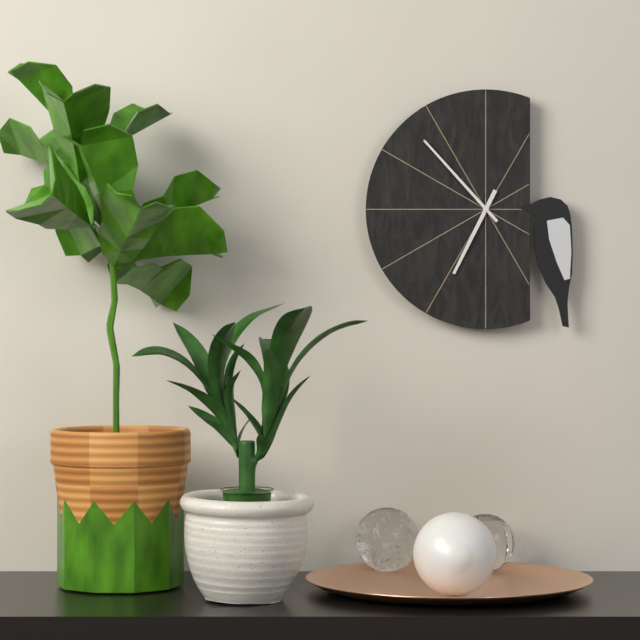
6:53
